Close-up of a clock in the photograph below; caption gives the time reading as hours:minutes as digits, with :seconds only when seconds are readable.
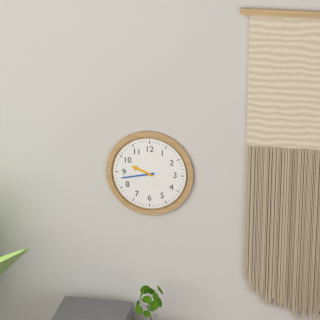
9:43
